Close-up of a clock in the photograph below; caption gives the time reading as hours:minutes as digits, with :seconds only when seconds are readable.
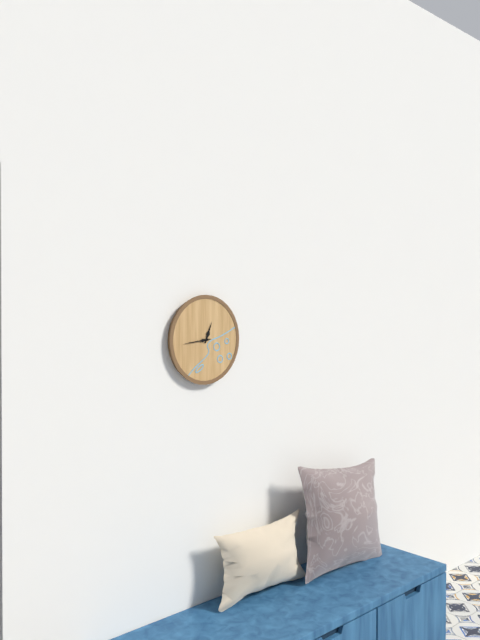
12:44
